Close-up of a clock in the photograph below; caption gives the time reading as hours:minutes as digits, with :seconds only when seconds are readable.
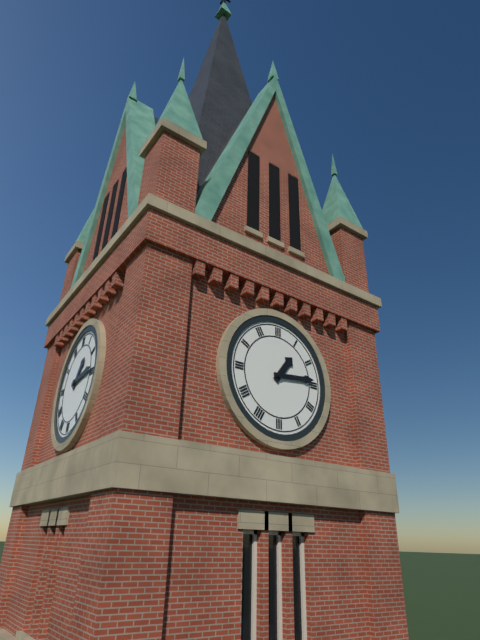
1:14
